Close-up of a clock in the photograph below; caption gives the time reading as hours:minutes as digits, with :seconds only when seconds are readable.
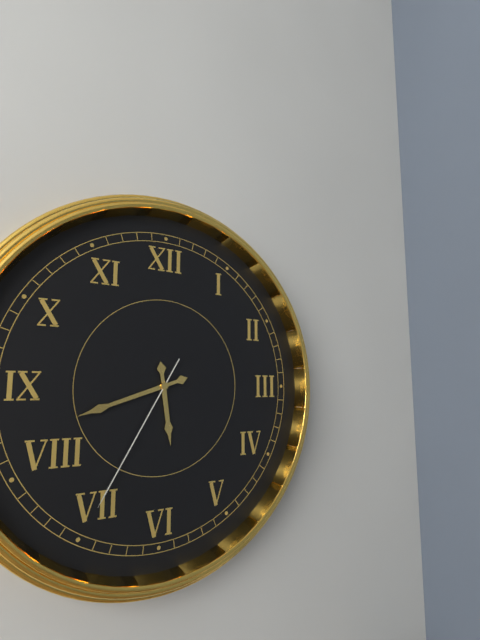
5:42:35
